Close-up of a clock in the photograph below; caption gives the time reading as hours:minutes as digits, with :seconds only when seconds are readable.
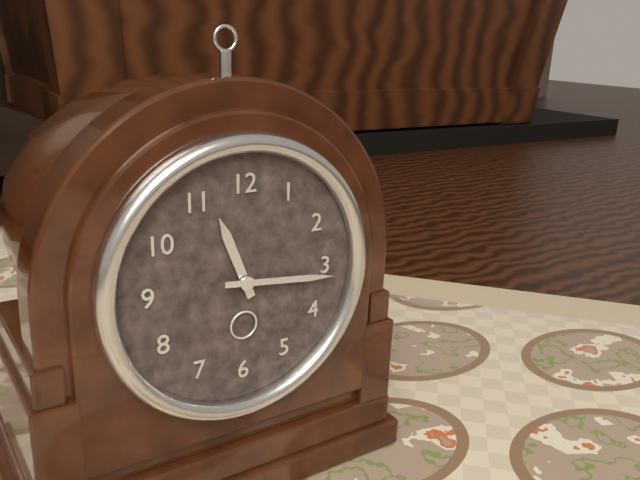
11:16
